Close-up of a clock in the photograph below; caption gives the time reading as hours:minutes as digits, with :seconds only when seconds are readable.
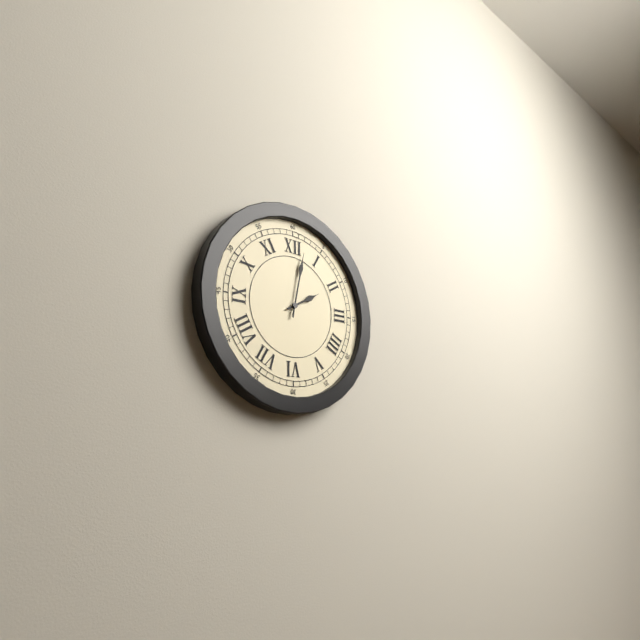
2:02
